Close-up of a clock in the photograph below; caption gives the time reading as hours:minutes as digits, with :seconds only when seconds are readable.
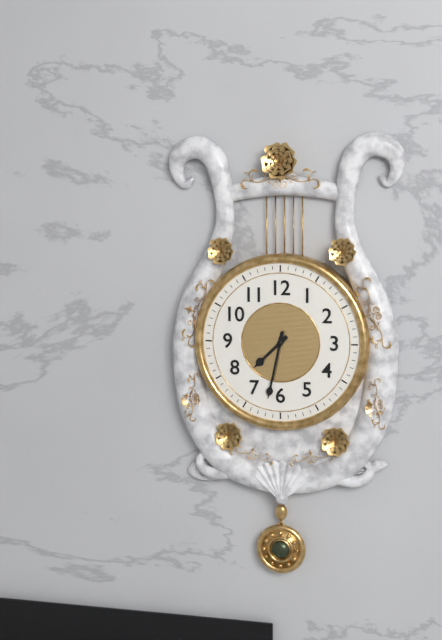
7:32
